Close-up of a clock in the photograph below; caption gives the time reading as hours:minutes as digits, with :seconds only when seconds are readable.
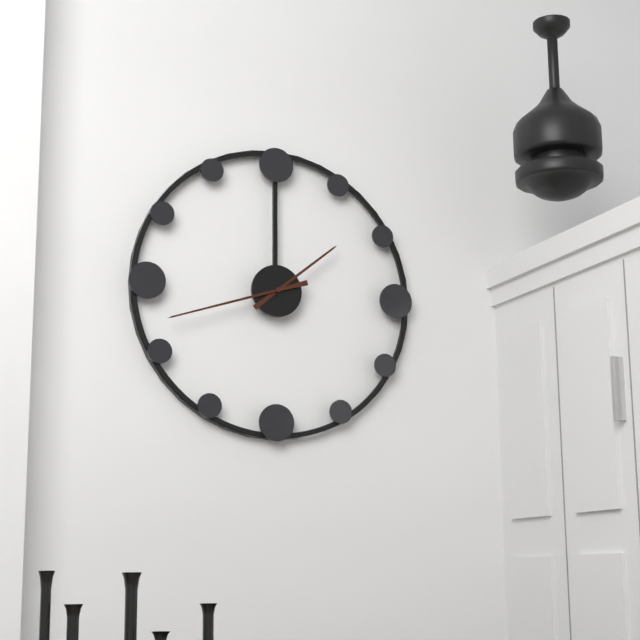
1:42
